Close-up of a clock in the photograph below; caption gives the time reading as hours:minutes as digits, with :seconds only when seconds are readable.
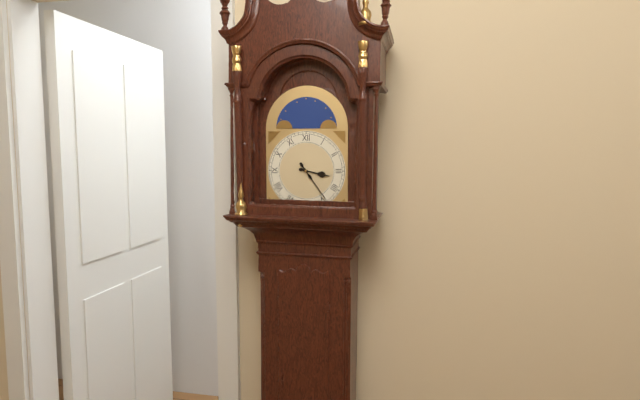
3:24
